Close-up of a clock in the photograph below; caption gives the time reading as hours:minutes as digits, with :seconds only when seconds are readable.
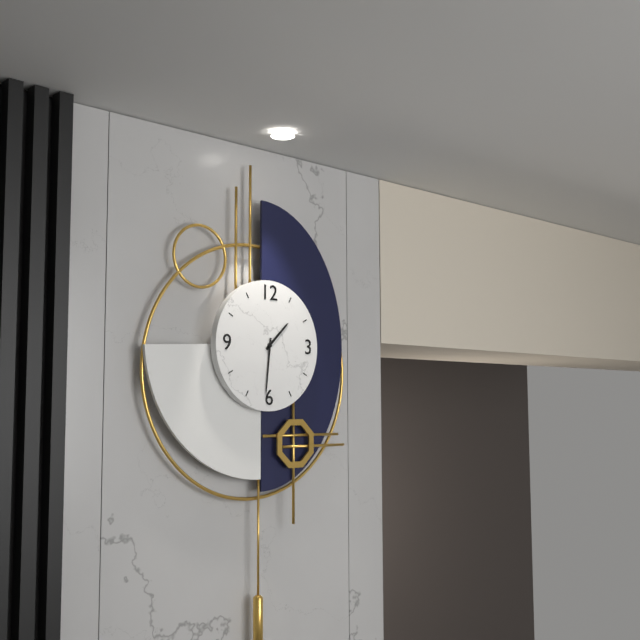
1:31
